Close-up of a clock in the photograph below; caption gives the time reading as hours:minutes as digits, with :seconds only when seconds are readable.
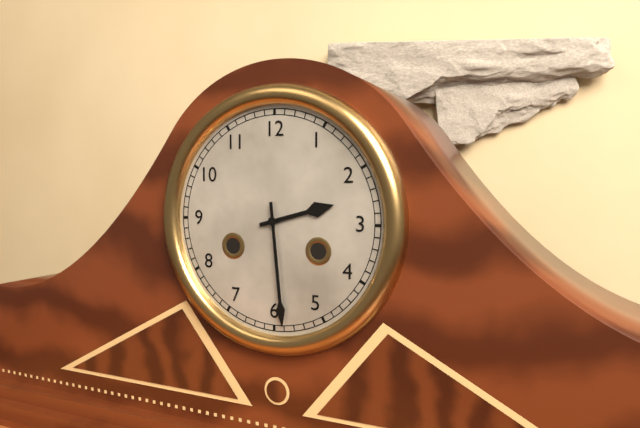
2:29
